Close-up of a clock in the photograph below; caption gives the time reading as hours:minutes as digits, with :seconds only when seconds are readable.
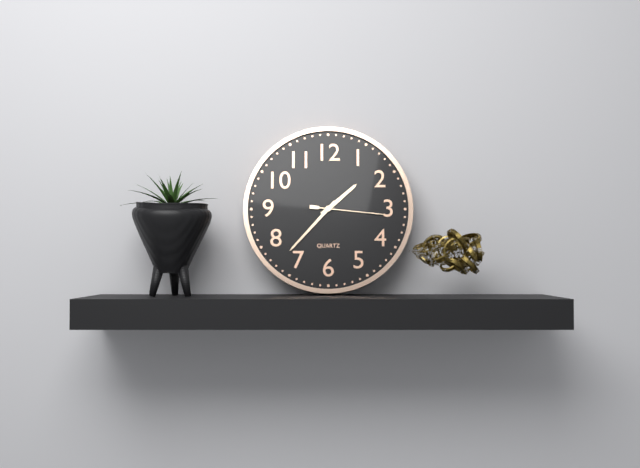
1:37:16
